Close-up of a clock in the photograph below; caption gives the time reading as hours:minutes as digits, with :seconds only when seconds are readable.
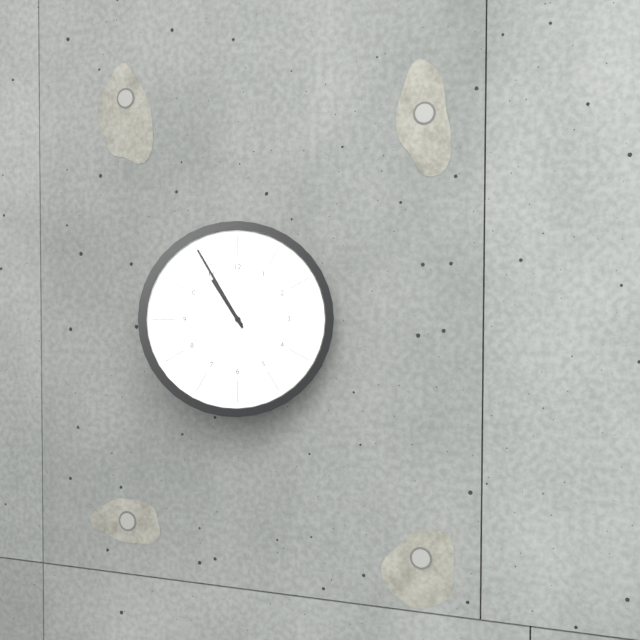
10:55
